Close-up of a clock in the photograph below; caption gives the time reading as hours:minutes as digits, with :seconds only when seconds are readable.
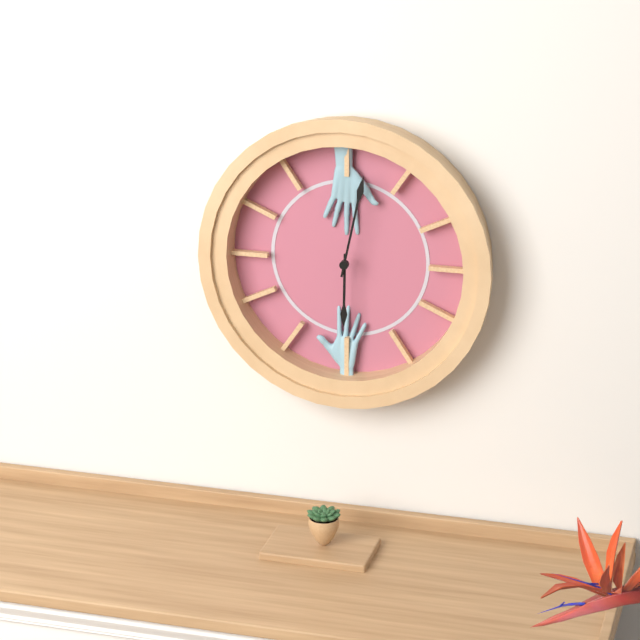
6:02
